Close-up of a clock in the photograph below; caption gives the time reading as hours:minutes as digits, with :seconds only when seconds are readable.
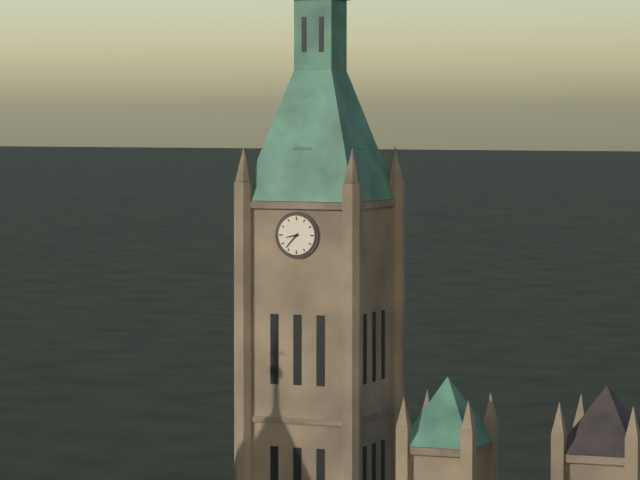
8:37
